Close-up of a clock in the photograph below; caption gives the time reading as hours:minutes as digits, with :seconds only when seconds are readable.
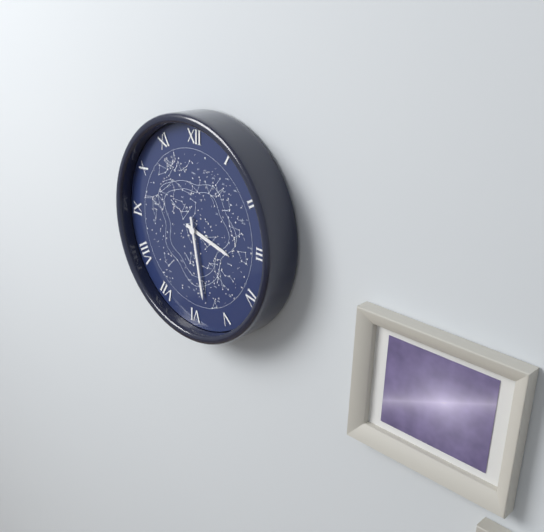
3:28
